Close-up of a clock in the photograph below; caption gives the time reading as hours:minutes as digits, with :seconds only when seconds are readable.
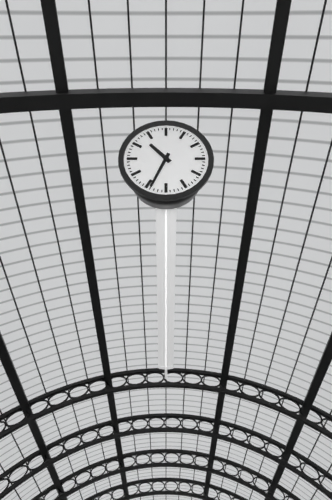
10:34
